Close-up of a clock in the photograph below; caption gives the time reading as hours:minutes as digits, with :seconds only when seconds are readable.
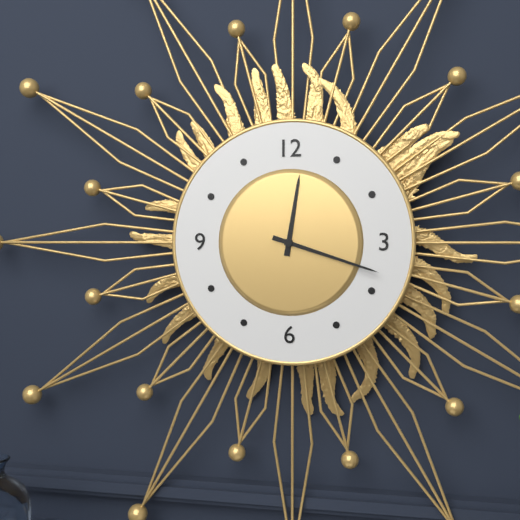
12:18
